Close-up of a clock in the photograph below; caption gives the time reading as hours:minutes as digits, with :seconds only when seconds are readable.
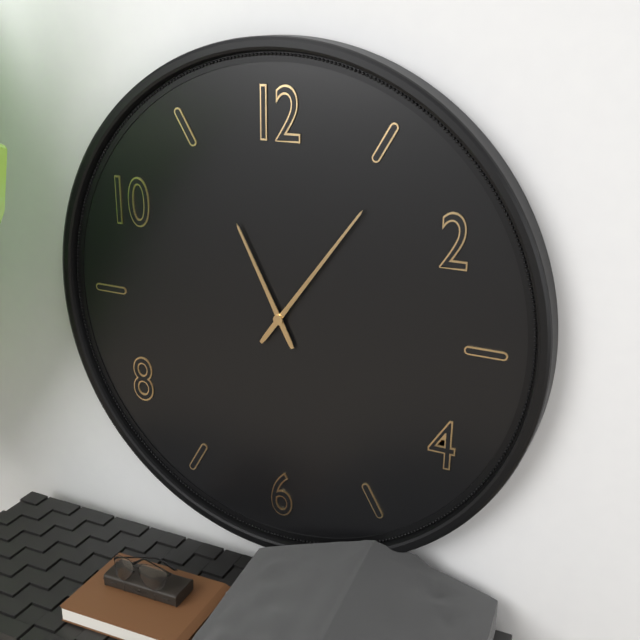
11:06
